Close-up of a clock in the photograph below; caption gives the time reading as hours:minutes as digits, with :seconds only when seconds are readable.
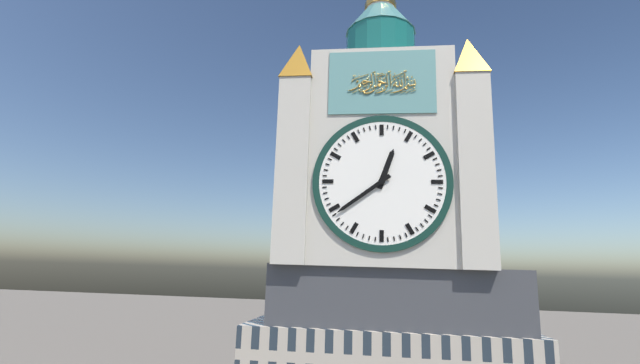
12:39
